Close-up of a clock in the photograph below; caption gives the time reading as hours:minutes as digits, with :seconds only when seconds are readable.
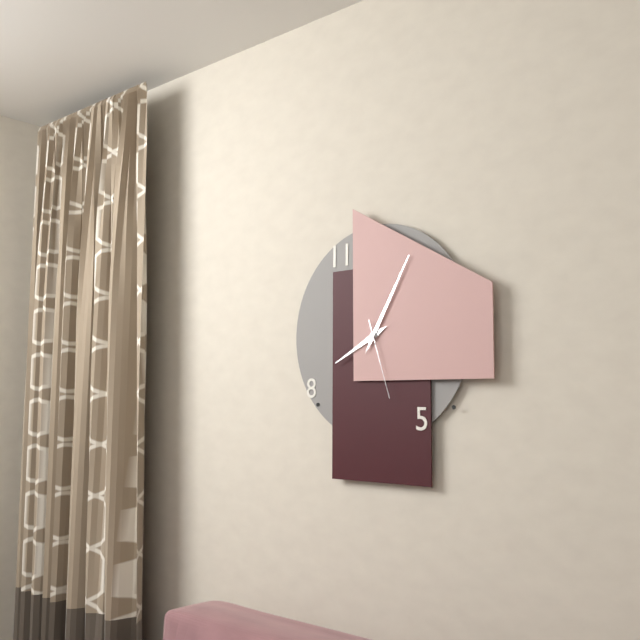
8:05:27
